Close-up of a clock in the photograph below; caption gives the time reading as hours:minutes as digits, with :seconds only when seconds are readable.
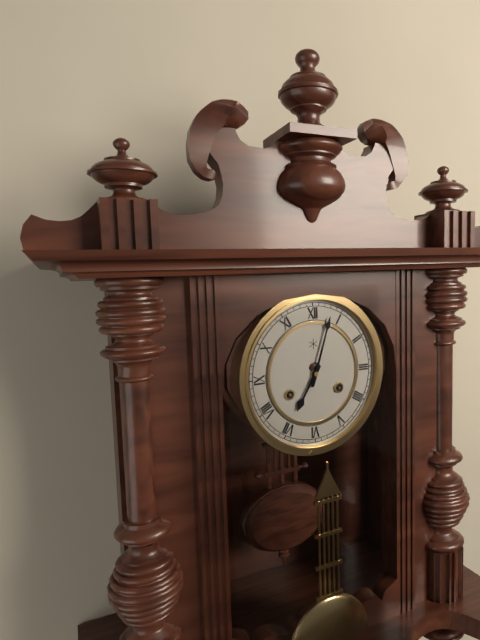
7:03
